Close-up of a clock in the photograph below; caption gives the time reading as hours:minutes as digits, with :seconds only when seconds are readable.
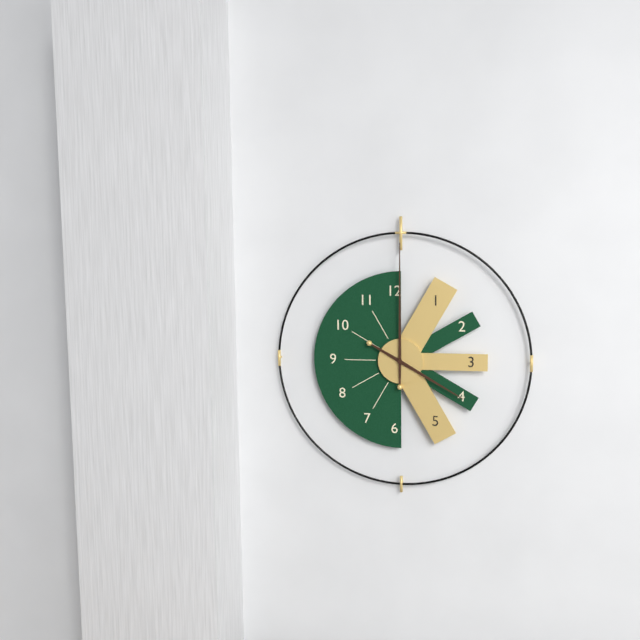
4:00
